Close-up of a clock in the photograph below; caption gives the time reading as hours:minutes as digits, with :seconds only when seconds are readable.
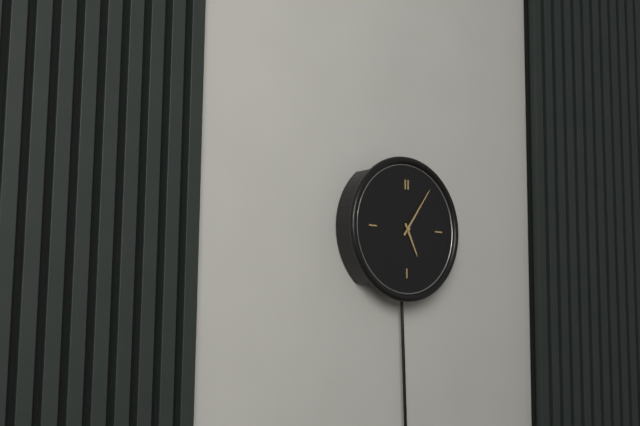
5:06
